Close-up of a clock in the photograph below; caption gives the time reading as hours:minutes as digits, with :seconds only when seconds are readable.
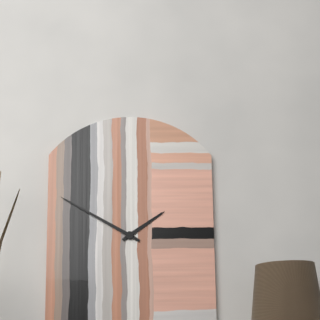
1:50
